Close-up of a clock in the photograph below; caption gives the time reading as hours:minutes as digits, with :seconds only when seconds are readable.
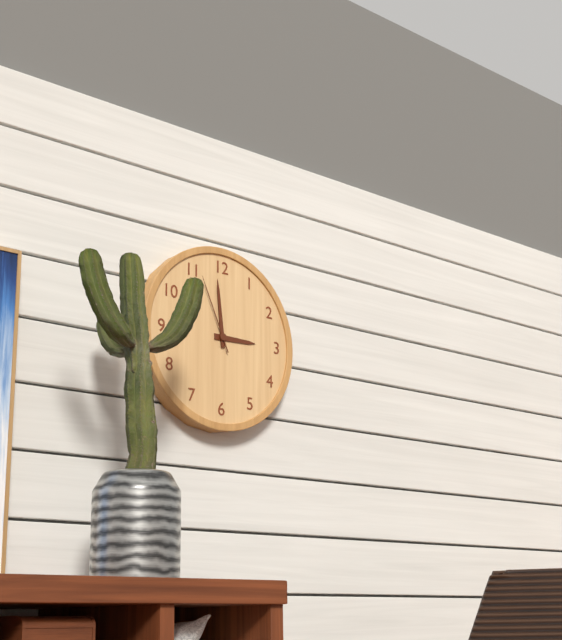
2:59:56
